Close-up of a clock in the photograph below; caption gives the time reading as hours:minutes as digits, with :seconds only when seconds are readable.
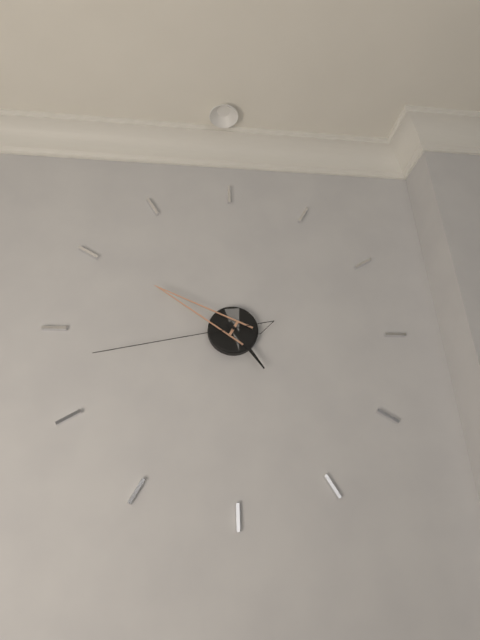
4:50:43
